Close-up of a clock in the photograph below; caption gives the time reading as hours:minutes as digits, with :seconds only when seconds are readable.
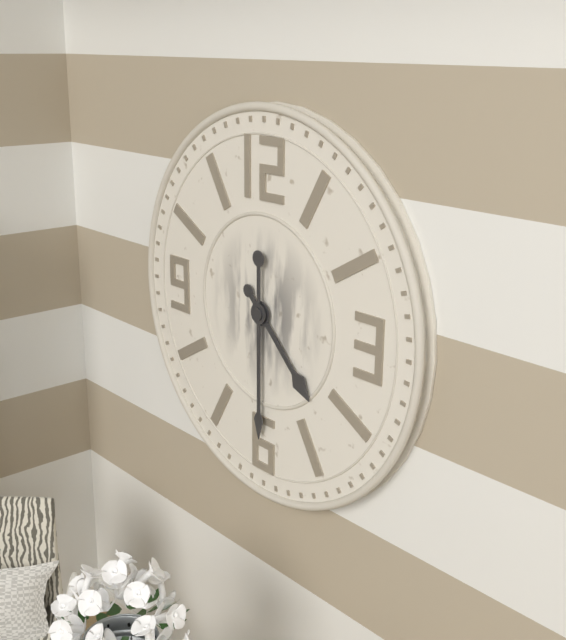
4:30
